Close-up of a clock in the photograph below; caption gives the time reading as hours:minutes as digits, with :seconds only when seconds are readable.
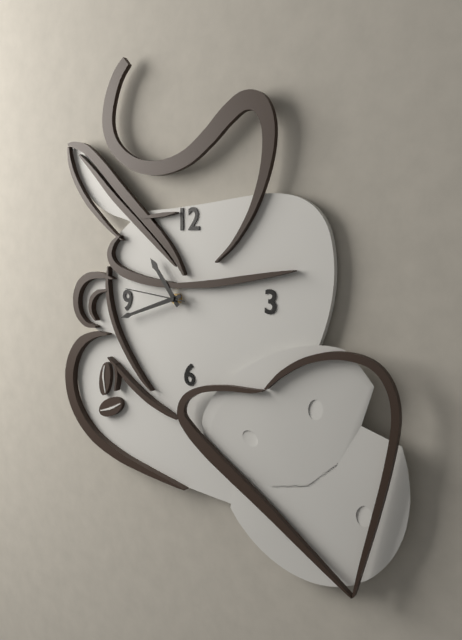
10:42:46
